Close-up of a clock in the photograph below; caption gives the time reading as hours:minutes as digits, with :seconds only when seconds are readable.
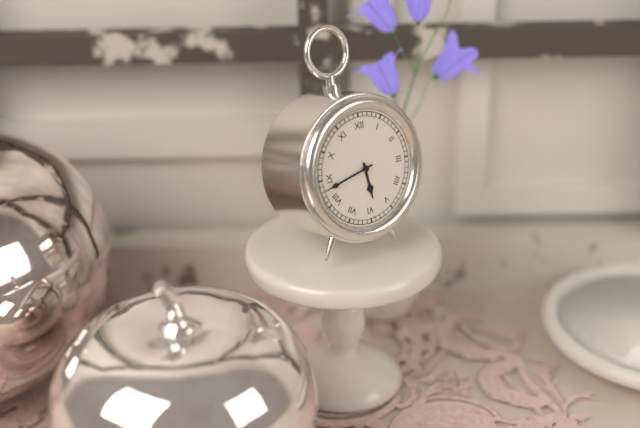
5:43
